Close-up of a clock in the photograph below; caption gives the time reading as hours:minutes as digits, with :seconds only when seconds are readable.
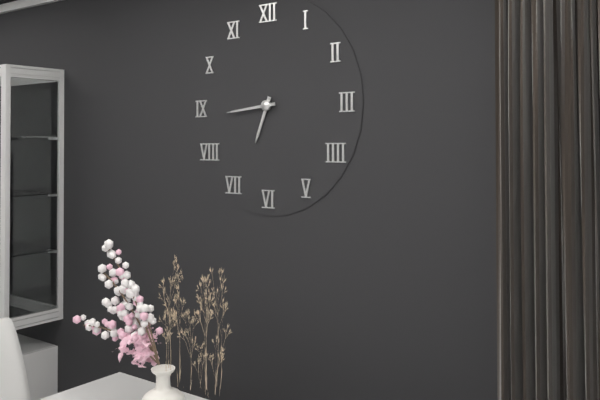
6:44
